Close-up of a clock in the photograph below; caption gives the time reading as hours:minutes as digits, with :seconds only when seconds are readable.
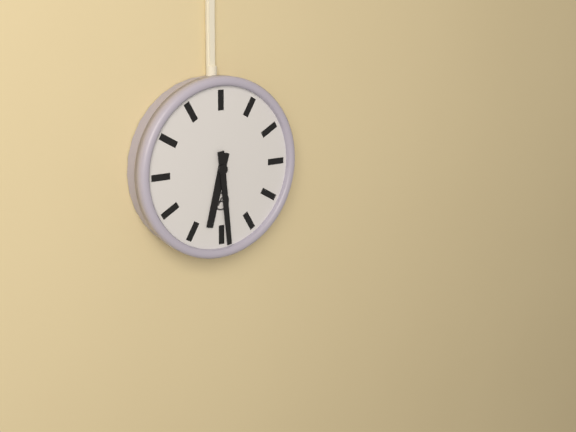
6:29
